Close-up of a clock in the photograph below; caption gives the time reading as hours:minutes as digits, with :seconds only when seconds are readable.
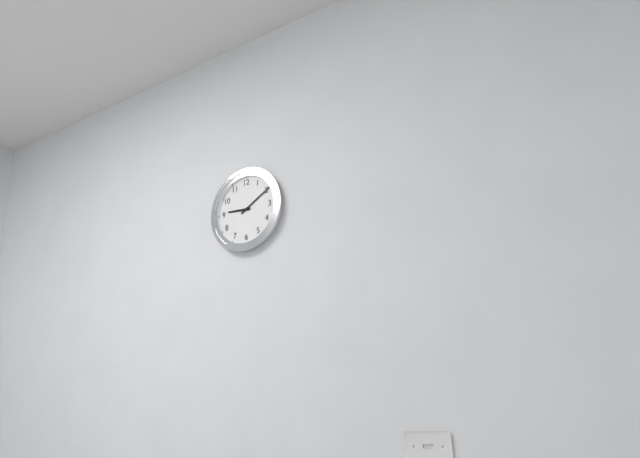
9:10
